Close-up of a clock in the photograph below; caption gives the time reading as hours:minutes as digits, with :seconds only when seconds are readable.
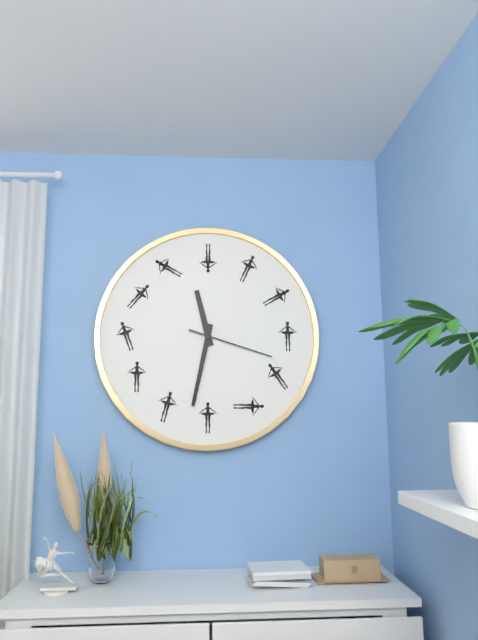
11:32:18
